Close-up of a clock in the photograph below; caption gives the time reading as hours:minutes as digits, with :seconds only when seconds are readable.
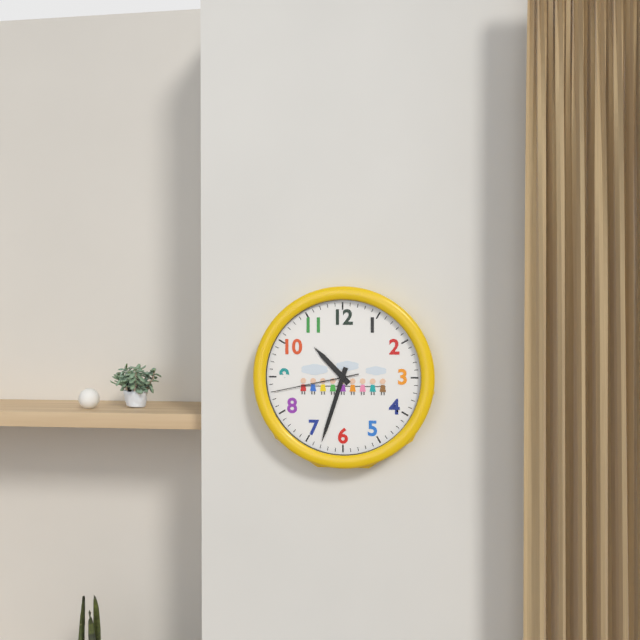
10:33:43
